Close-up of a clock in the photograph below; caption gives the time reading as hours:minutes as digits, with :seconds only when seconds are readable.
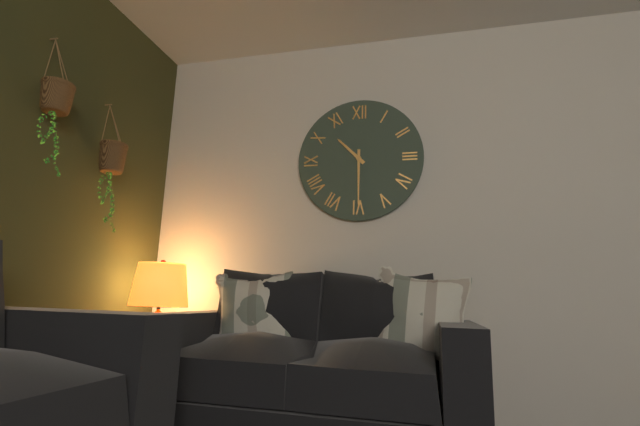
10:30
